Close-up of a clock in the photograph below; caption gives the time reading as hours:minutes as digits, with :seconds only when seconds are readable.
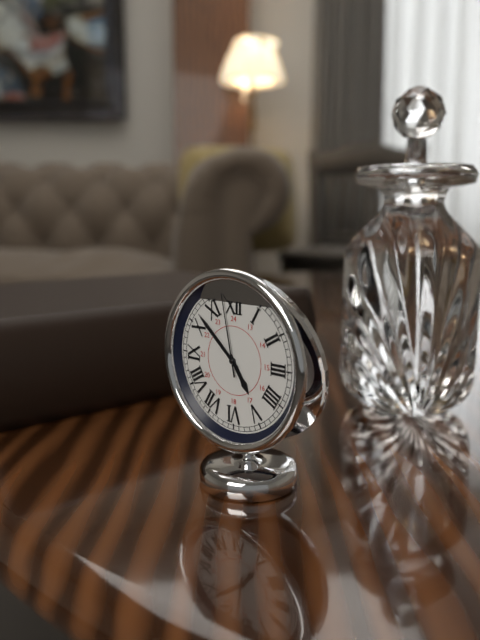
4:52:58
